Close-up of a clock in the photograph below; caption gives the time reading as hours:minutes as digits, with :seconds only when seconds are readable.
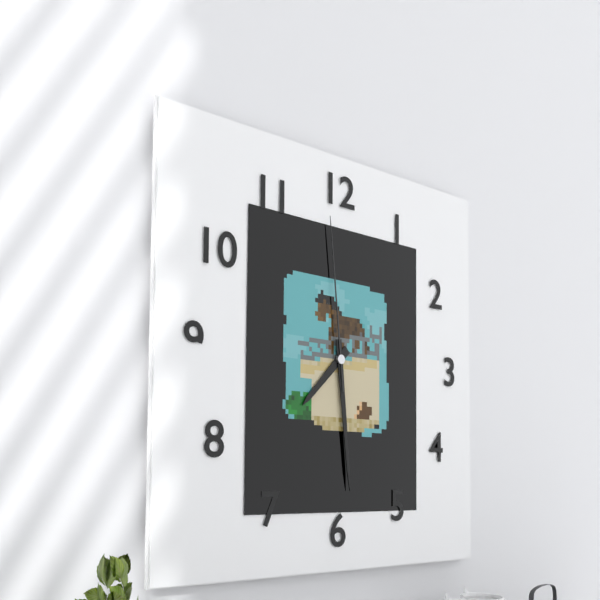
7:29:59
